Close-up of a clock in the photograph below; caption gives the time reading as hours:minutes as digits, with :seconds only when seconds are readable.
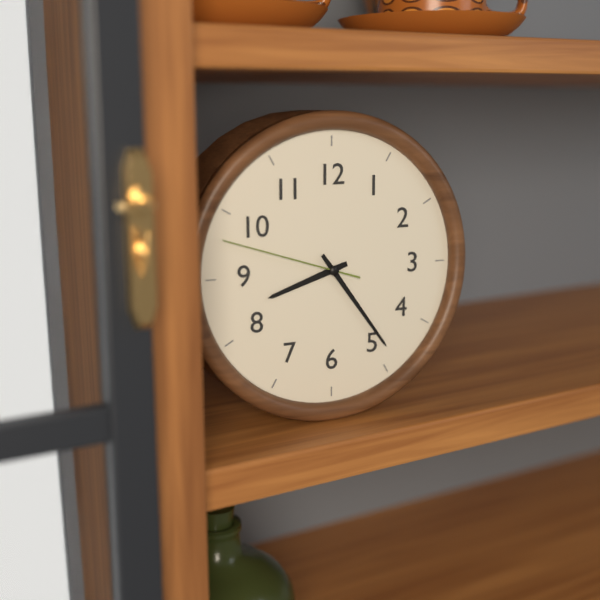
8:24:48
